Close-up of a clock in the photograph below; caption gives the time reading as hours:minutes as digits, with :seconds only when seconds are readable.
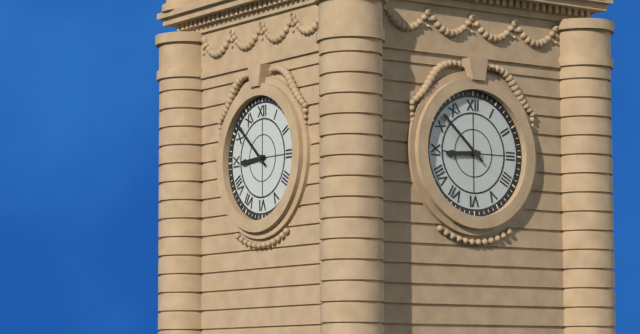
8:52
